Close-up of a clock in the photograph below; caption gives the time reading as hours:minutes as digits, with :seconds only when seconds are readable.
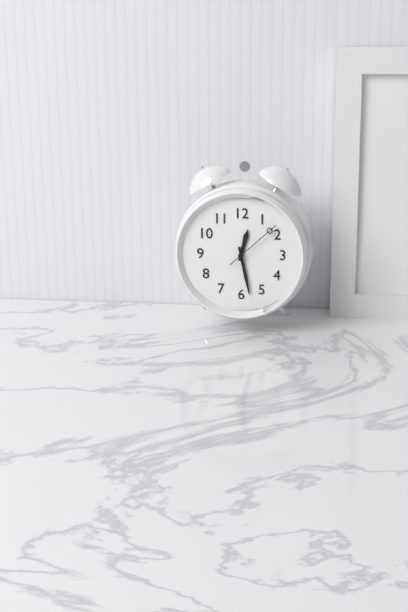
12:28:08
